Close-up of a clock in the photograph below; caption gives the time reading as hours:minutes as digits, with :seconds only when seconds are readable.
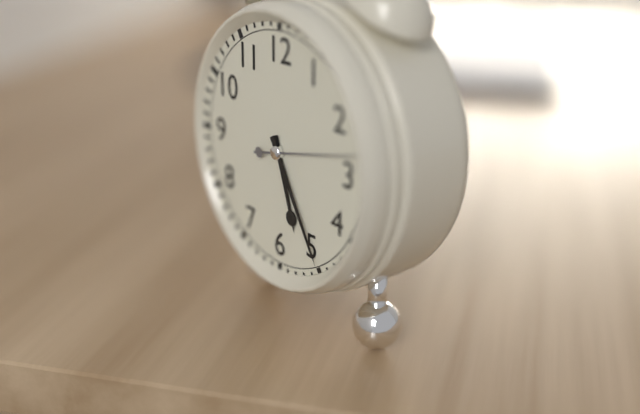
5:25:13
